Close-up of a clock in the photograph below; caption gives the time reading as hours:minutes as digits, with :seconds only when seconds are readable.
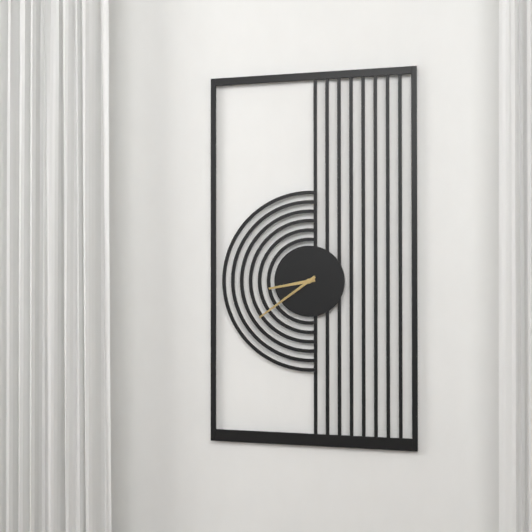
8:39
